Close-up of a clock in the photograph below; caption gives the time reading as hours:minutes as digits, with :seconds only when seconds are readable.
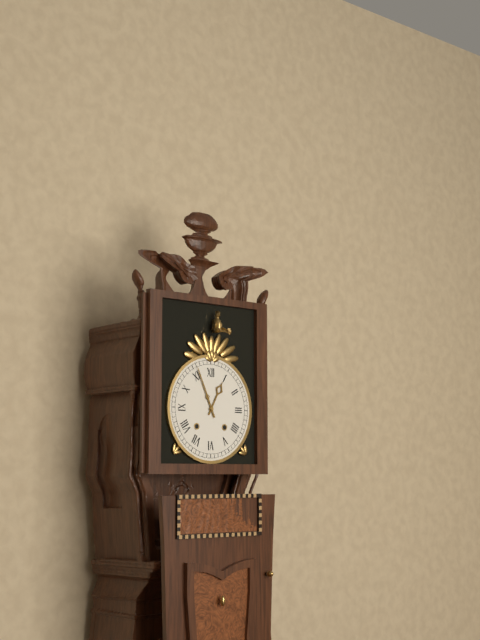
12:56
